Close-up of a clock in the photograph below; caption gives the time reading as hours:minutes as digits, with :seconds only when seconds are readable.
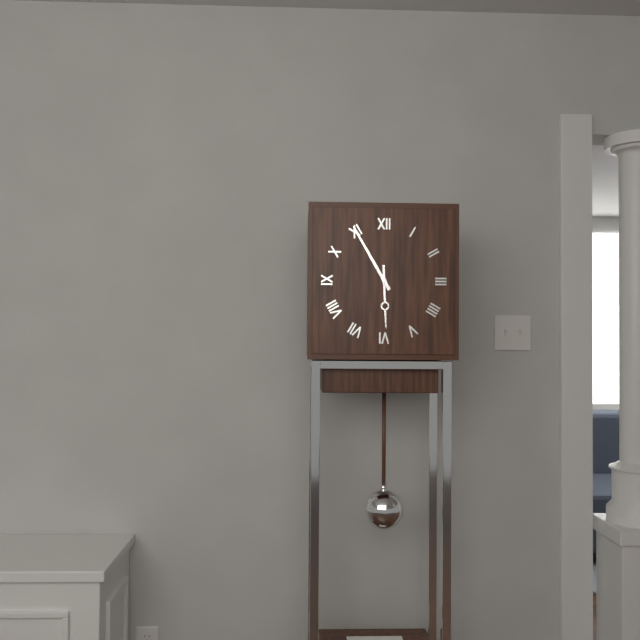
5:55
